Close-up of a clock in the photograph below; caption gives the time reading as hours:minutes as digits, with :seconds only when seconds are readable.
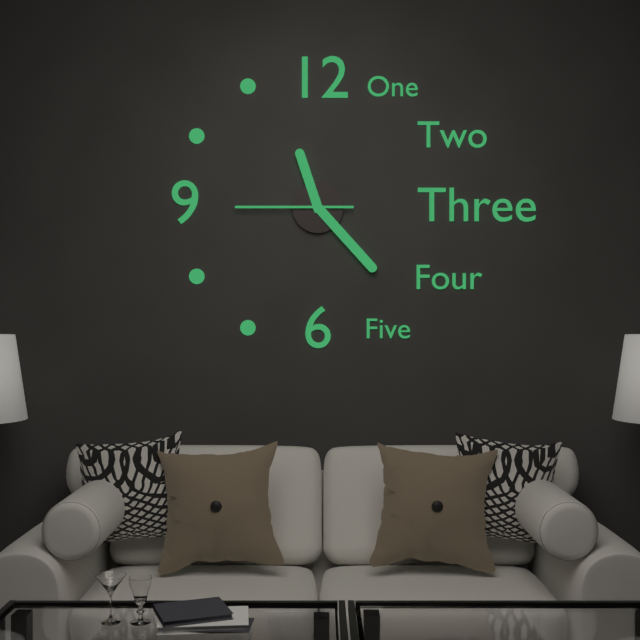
11:23:45
